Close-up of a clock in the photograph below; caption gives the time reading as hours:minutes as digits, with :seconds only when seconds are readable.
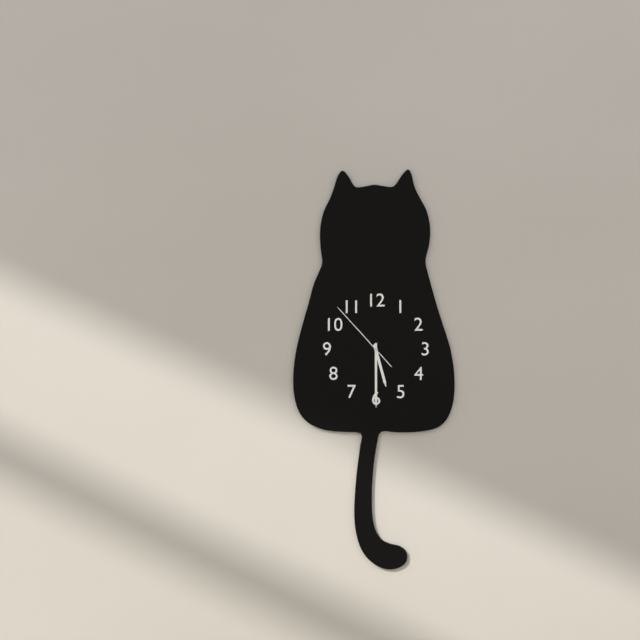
5:30:53
